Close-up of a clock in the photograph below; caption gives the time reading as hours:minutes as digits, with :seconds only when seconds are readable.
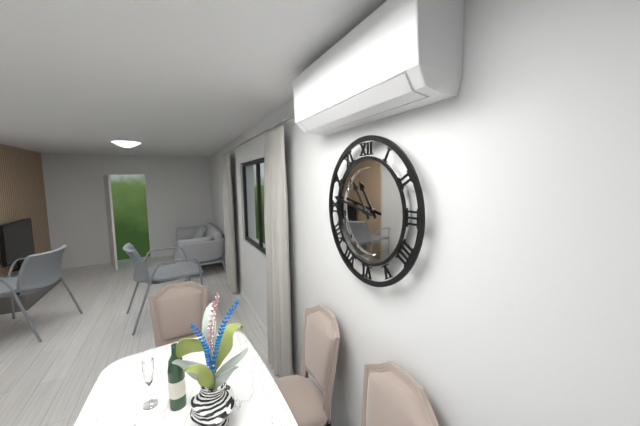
10:47
